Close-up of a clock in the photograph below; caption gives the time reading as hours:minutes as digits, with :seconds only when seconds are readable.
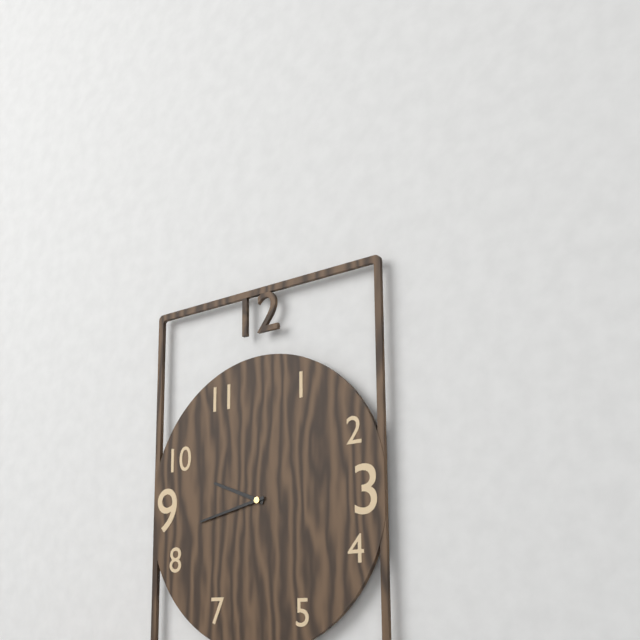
9:43
